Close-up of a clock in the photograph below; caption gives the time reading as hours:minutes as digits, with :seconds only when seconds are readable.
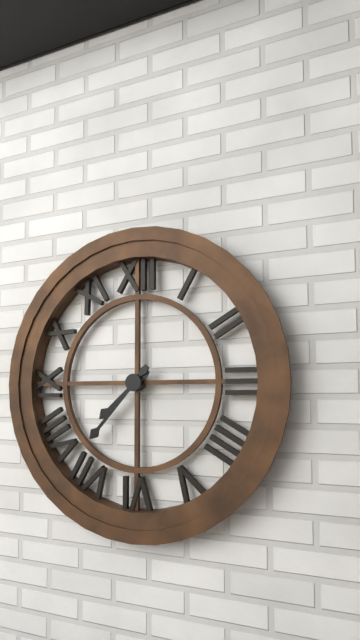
7:37
